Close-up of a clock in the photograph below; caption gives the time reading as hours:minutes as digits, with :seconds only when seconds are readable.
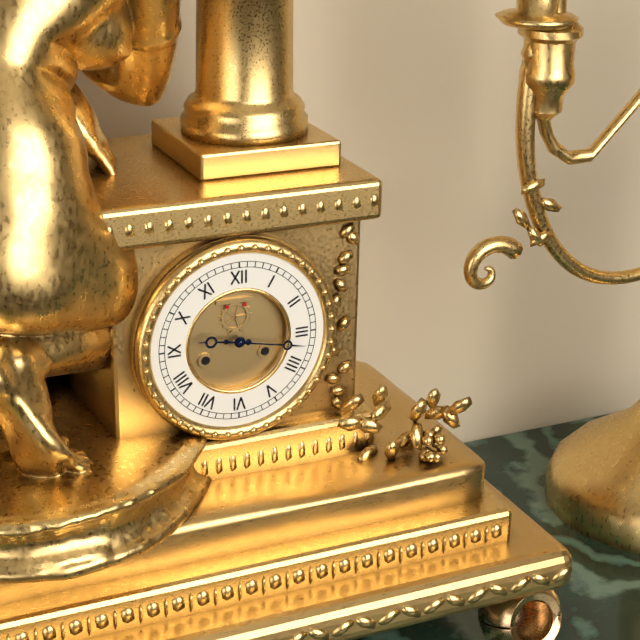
9:17
